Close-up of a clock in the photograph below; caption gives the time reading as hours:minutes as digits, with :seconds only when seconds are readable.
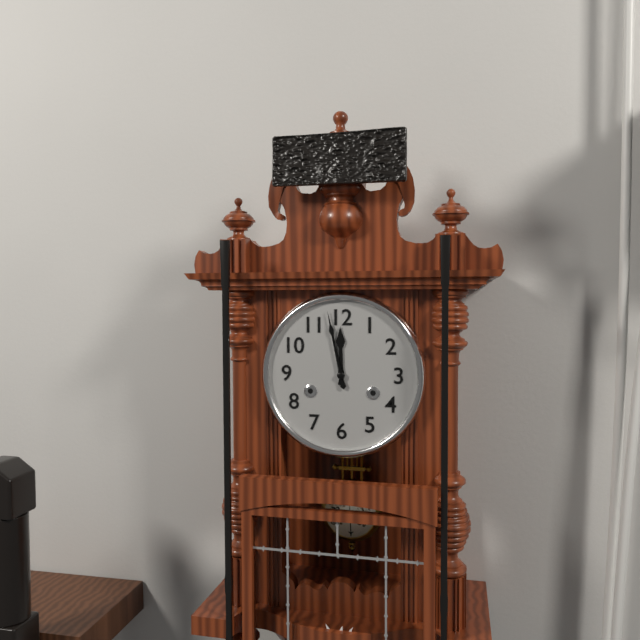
11:58
